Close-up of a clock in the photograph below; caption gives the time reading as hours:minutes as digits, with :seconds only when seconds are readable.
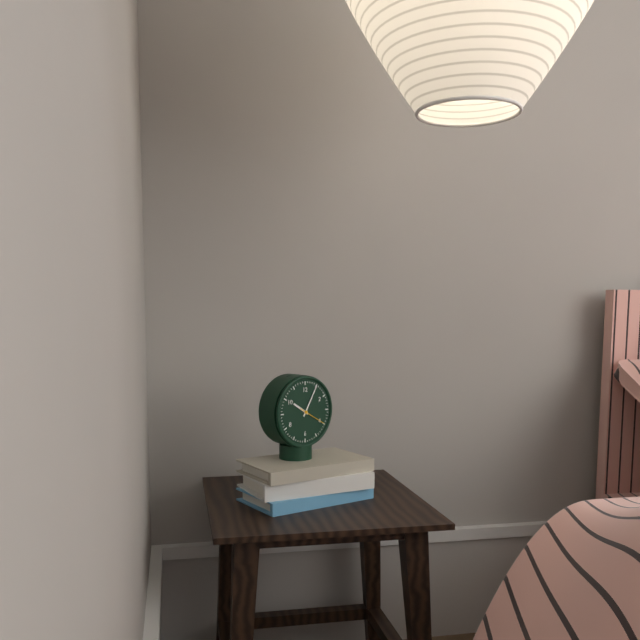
10:05
